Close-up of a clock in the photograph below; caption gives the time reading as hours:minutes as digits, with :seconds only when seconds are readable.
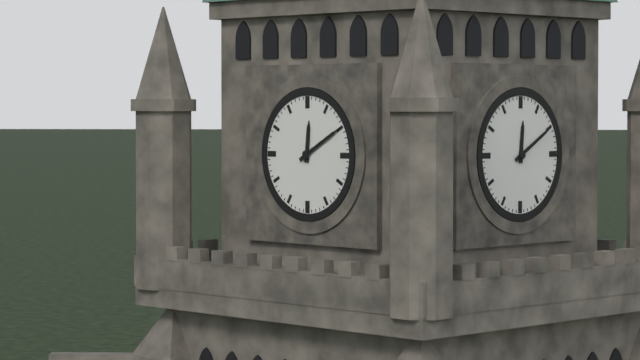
12:10
